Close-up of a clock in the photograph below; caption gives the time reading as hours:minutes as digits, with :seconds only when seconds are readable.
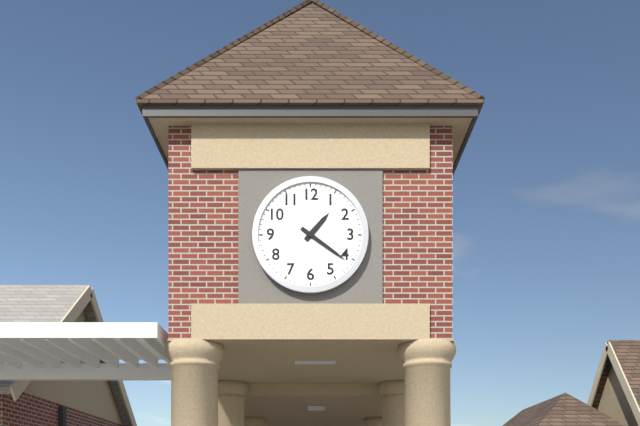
1:21
